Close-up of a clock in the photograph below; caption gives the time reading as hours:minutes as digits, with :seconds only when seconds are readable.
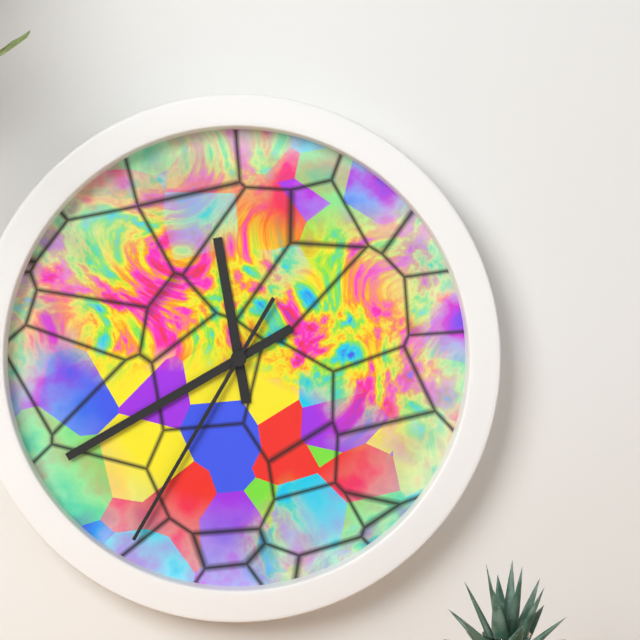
11:40:35
